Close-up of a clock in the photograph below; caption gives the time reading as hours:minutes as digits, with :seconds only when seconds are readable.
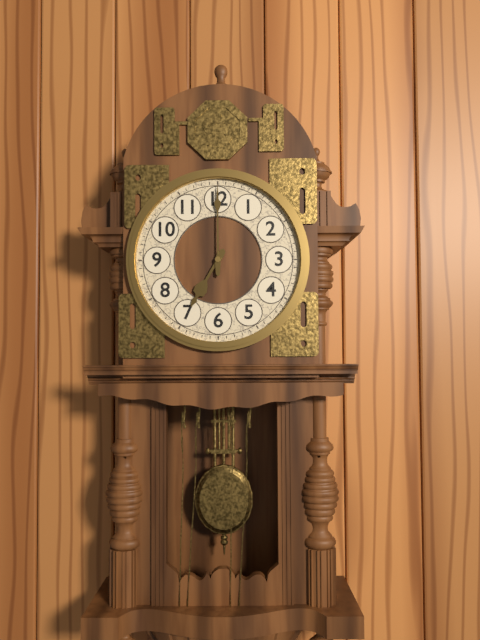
7:00
